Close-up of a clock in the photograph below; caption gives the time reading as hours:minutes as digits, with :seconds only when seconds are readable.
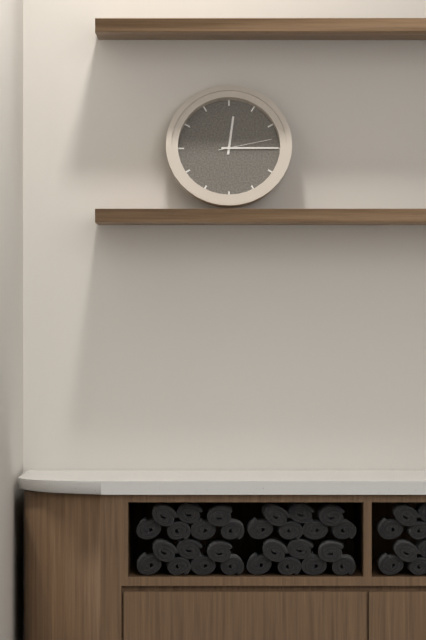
12:15:13
